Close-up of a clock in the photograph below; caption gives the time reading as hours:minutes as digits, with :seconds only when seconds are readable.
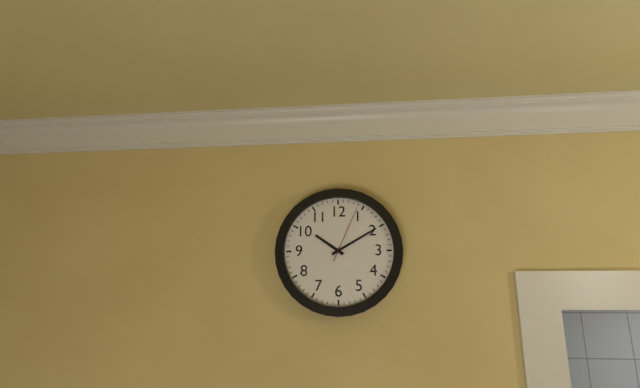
10:10:04
